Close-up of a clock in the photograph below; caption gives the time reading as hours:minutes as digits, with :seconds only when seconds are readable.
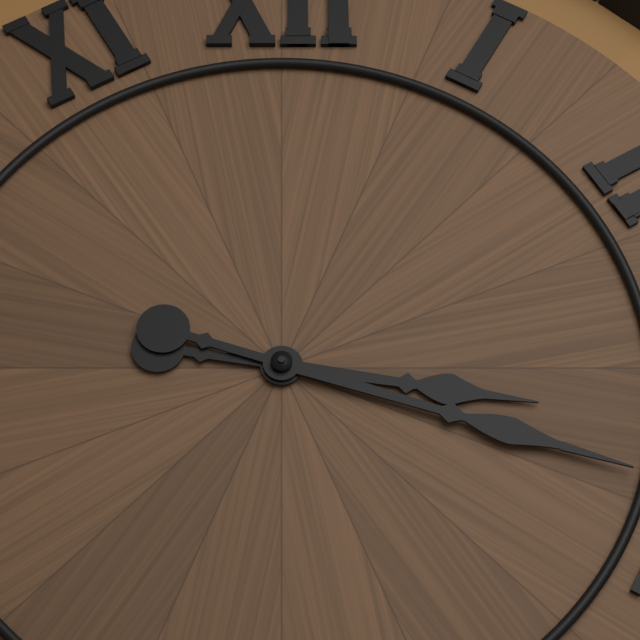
3:18
